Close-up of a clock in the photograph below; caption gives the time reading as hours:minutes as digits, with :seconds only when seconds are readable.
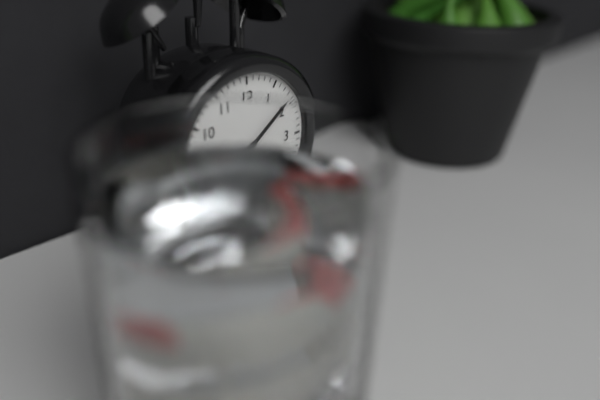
8:09
